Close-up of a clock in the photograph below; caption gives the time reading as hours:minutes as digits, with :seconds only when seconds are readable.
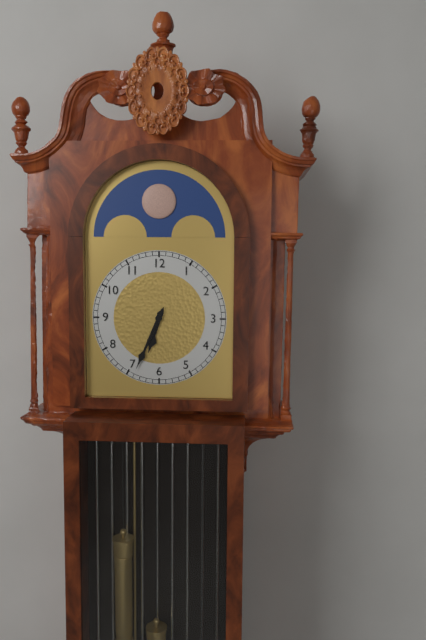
6:34
